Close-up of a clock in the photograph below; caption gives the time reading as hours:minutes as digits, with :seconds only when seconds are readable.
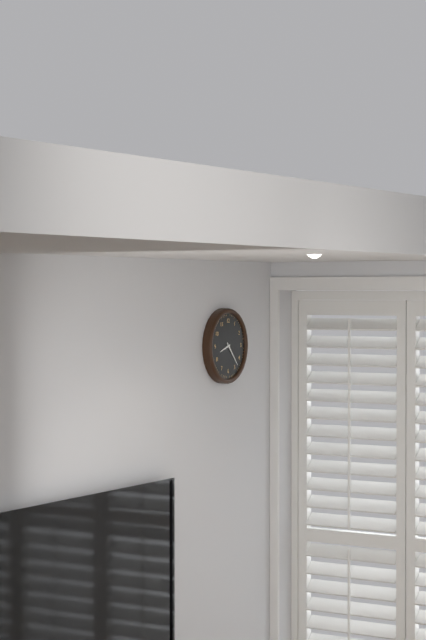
8:23
